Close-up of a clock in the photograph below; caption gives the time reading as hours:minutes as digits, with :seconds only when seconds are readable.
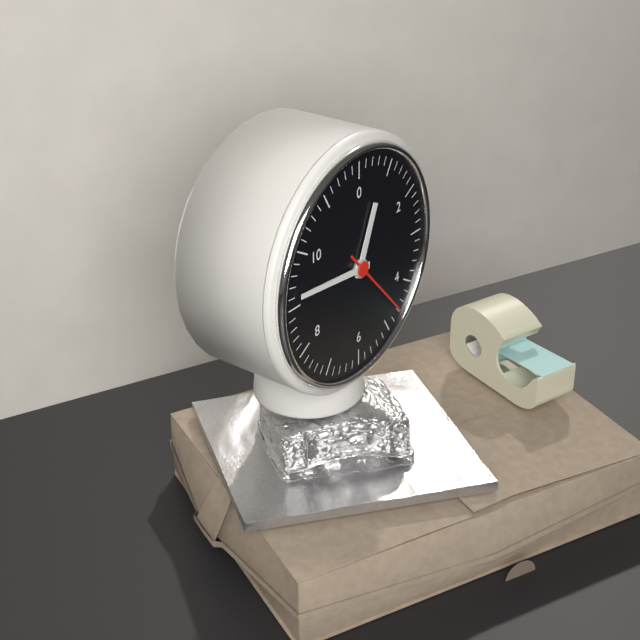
12:46:23
